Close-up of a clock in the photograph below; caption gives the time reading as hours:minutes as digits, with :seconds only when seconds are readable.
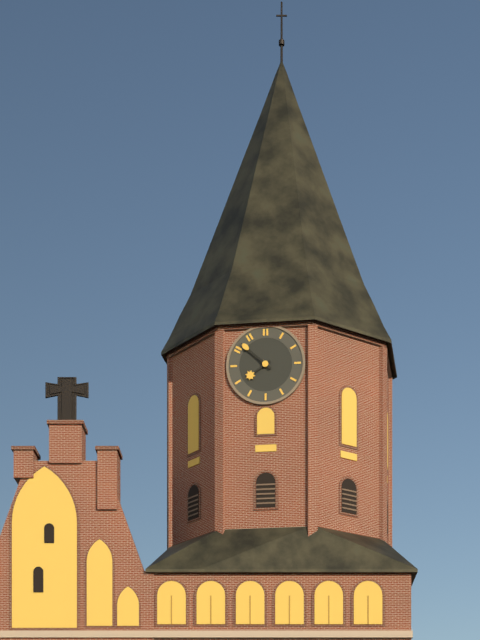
7:52
